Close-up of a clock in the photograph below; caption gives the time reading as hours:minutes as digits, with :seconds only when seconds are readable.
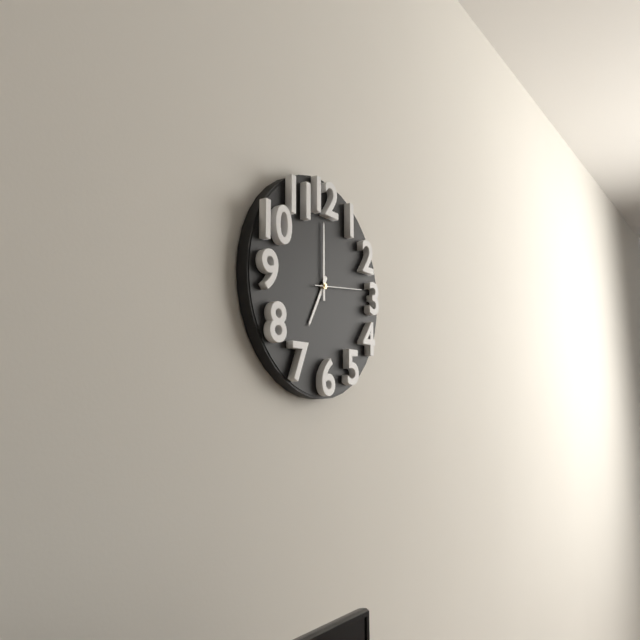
7:00:14
